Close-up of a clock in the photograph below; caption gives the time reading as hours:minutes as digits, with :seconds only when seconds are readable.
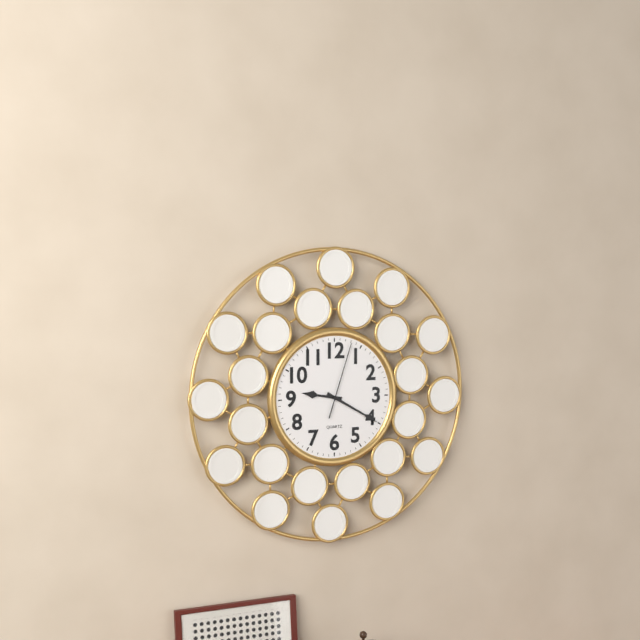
9:20:03
